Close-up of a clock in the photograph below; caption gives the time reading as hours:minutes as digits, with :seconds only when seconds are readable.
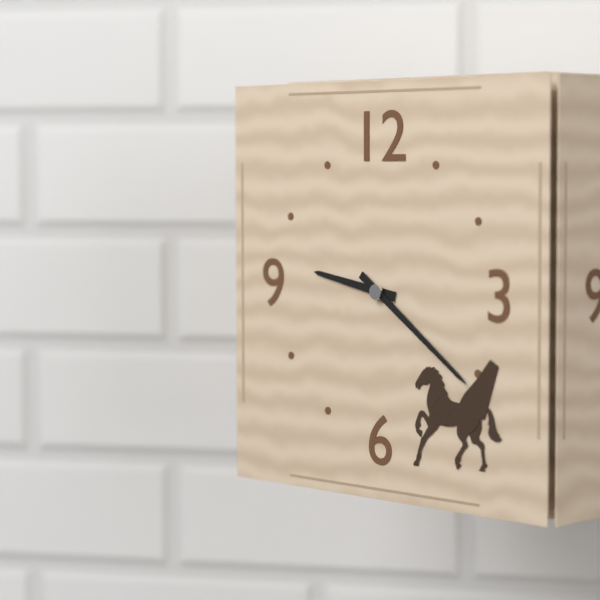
9:21
